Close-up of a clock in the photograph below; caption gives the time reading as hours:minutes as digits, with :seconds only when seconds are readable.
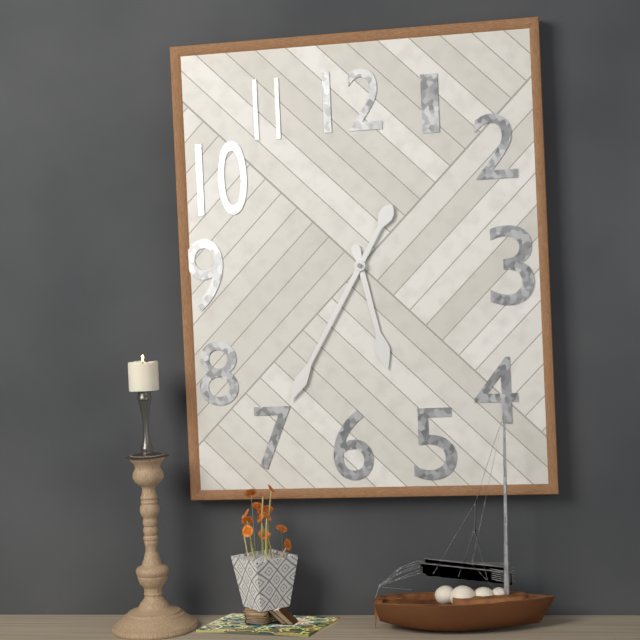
5:35
